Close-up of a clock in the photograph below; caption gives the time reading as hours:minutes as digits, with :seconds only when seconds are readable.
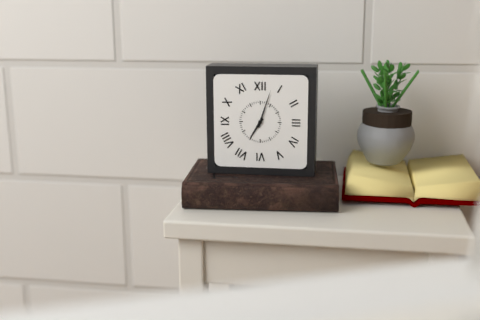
7:03
